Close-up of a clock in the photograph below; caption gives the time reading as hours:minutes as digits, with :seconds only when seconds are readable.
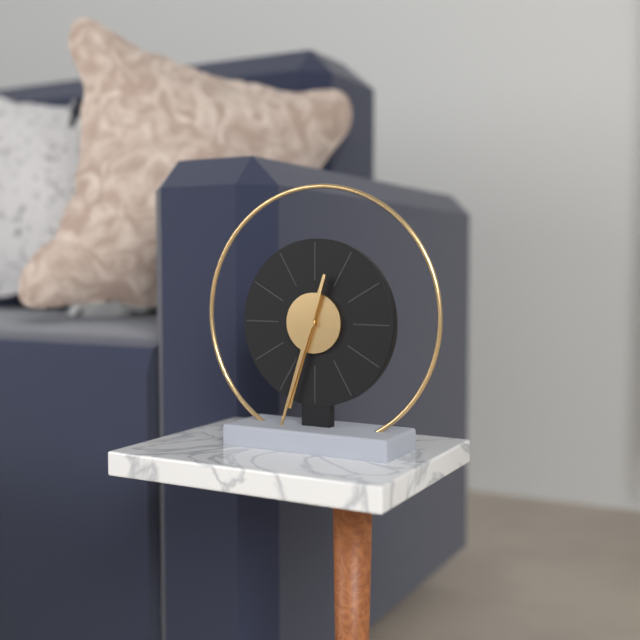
6:33
